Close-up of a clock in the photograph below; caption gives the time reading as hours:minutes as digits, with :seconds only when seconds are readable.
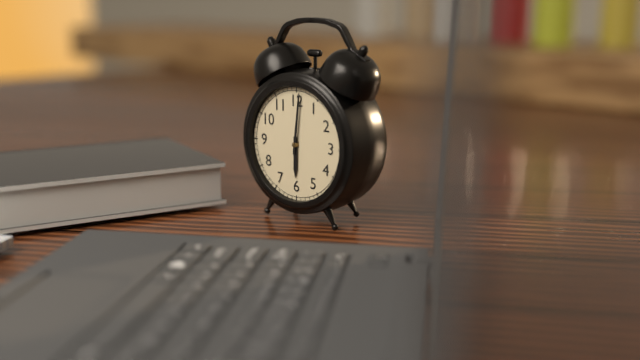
6:01
